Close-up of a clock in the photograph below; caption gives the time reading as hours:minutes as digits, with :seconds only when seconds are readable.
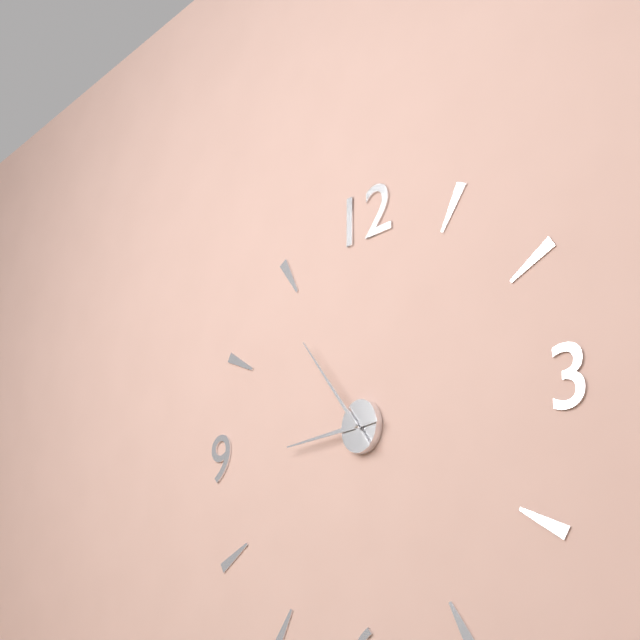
8:54
